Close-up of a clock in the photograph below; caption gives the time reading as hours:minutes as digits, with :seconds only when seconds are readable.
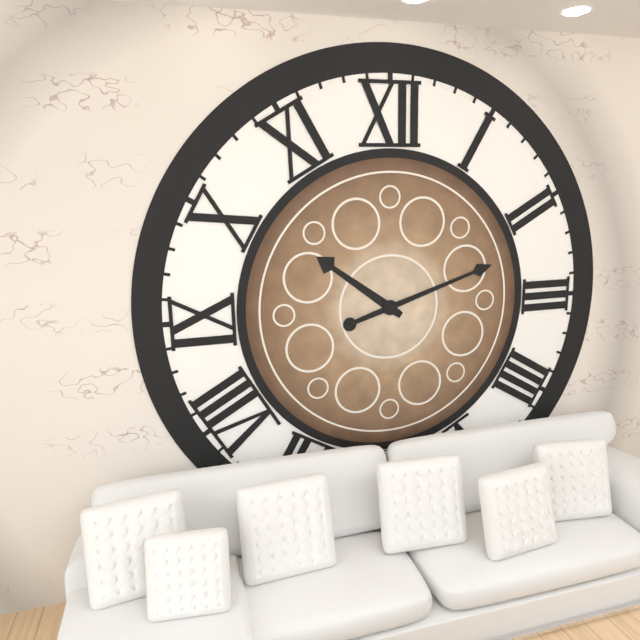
10:12
